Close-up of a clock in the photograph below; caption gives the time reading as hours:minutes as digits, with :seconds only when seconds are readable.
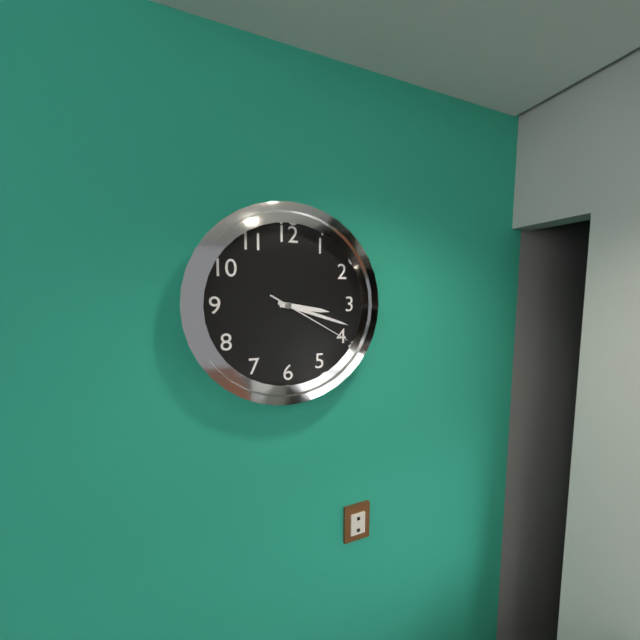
3:18:20
